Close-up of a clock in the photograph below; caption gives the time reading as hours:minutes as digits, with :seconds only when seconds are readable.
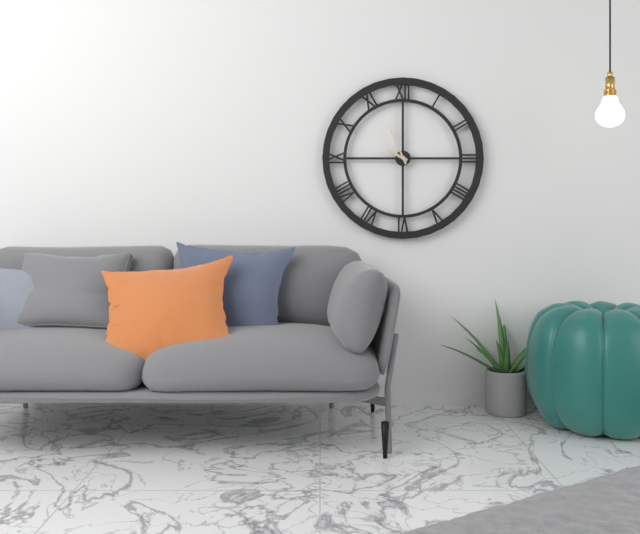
9:56
